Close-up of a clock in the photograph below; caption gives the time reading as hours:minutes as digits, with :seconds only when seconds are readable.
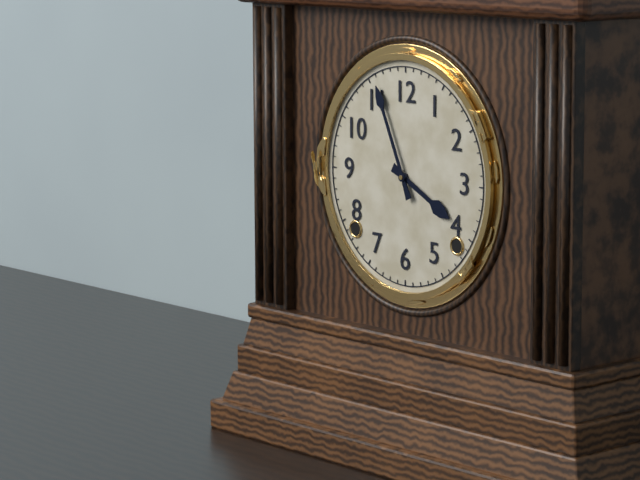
3:56
